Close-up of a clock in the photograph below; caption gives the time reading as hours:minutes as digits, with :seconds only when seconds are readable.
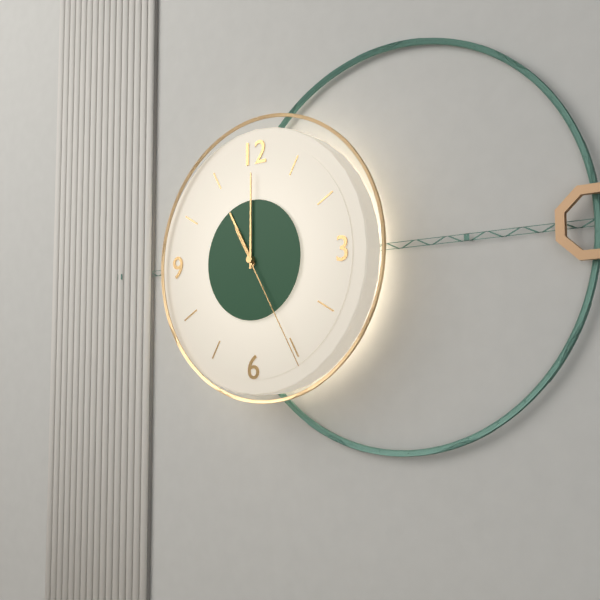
11:00:25
